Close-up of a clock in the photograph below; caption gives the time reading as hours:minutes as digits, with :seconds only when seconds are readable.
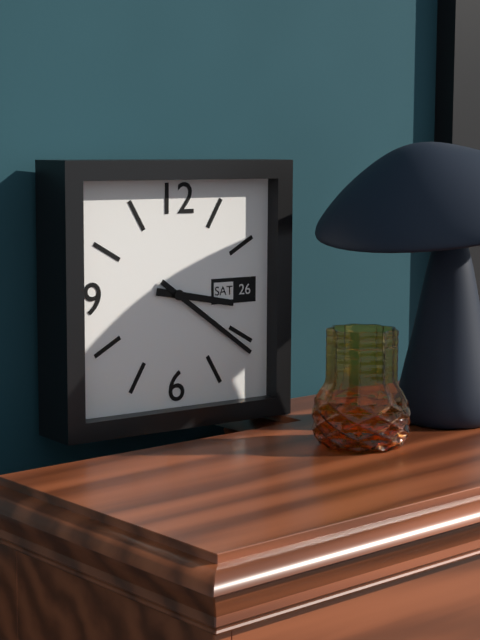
3:21
